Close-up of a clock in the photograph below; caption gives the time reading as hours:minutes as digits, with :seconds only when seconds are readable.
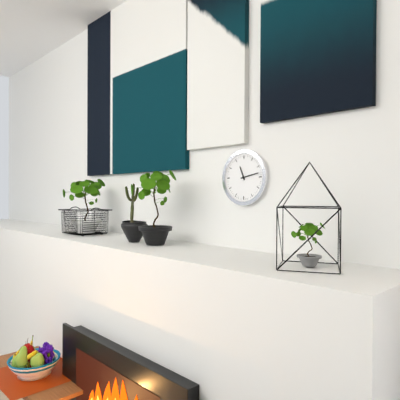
11:13
